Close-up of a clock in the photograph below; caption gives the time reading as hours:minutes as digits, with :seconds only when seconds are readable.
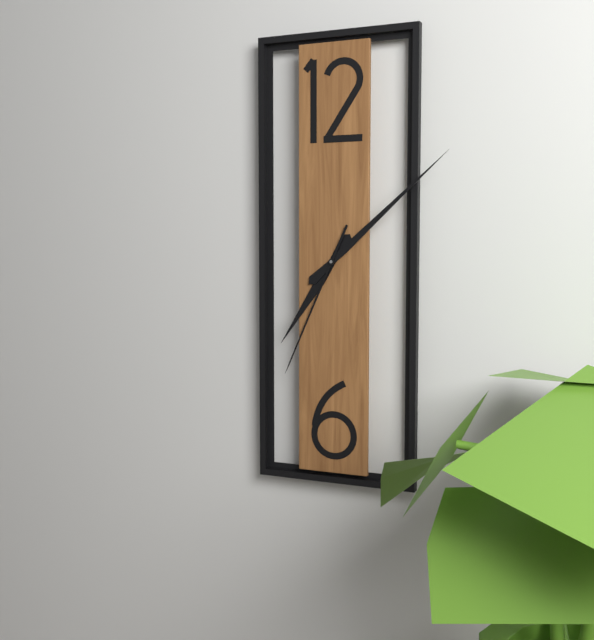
7:08:34
